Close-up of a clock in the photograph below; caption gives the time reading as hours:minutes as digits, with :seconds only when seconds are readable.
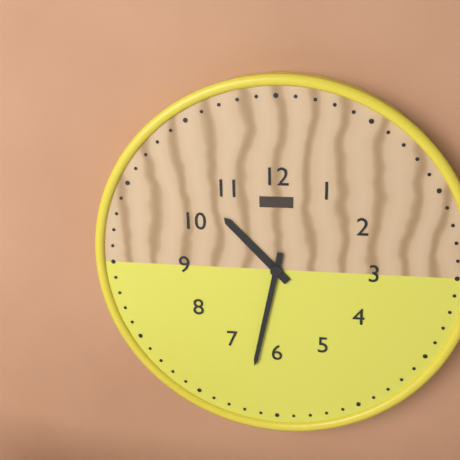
10:32
